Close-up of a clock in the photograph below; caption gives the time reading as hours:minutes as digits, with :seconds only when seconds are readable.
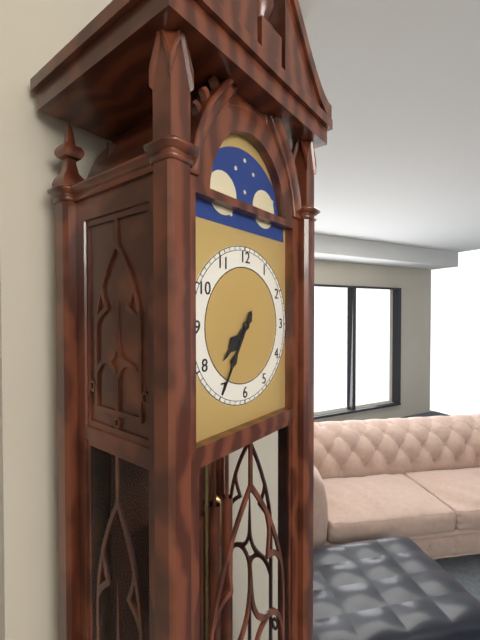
7:35
